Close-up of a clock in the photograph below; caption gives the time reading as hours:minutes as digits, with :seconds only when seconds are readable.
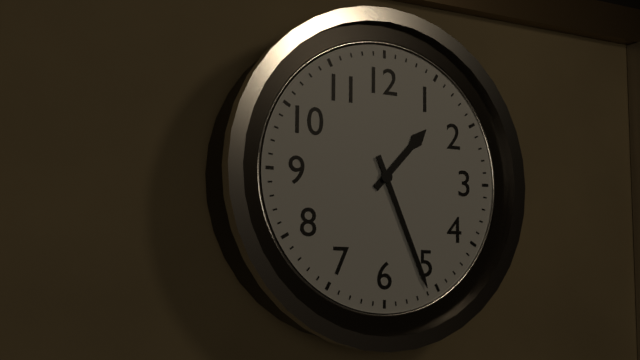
1:26
